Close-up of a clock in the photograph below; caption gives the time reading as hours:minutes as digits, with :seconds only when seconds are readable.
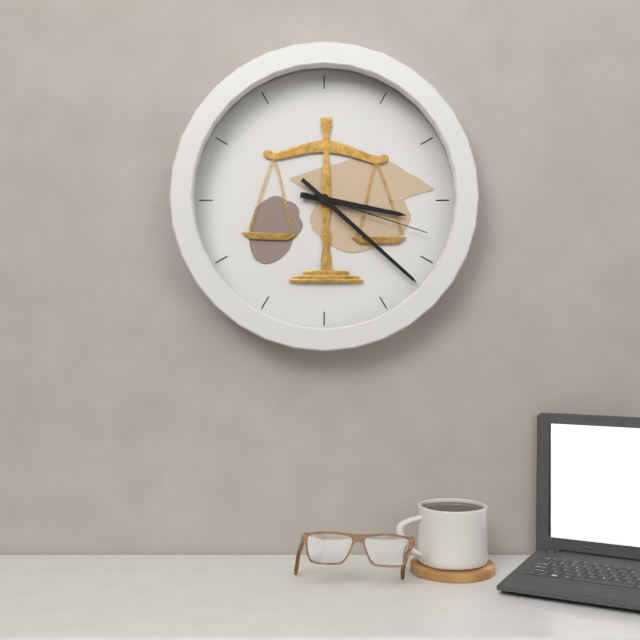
3:22:18
